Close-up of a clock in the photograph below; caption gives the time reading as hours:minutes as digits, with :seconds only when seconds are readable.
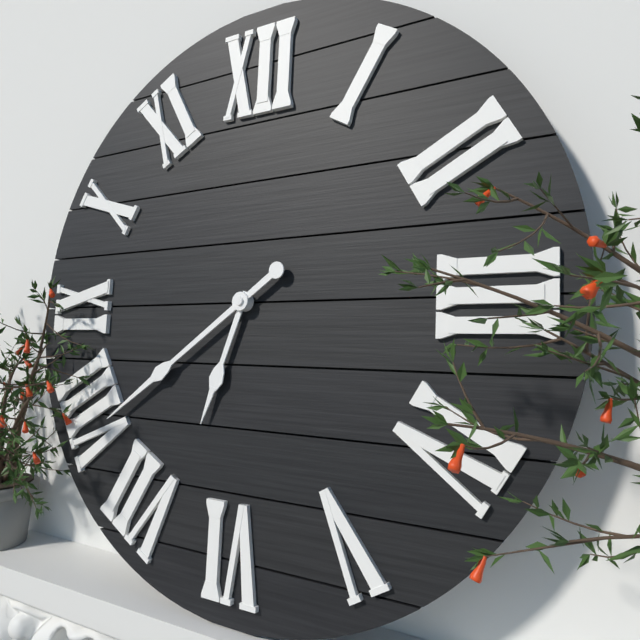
6:39
